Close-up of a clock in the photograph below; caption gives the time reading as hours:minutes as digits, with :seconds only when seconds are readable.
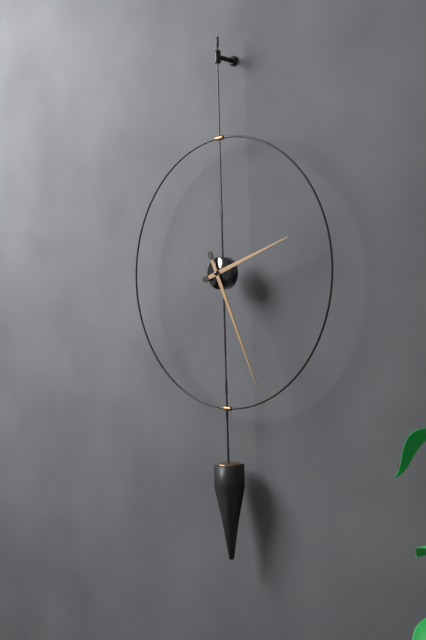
2:26
